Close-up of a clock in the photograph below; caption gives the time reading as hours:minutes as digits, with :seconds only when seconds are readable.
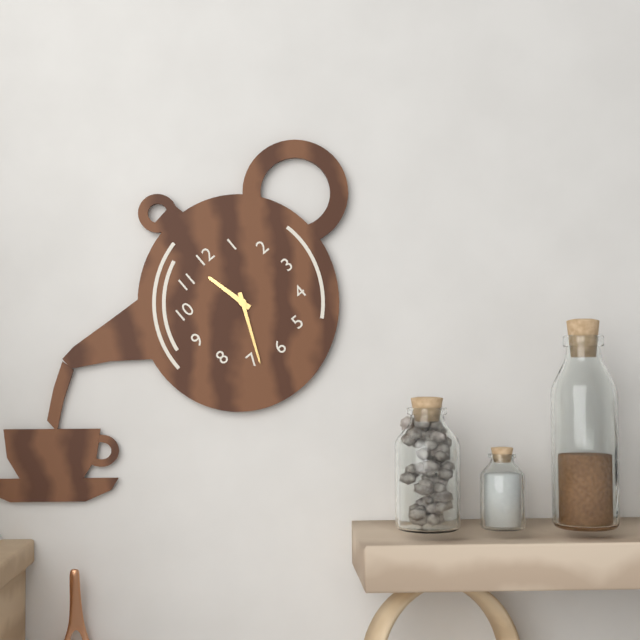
11:34
